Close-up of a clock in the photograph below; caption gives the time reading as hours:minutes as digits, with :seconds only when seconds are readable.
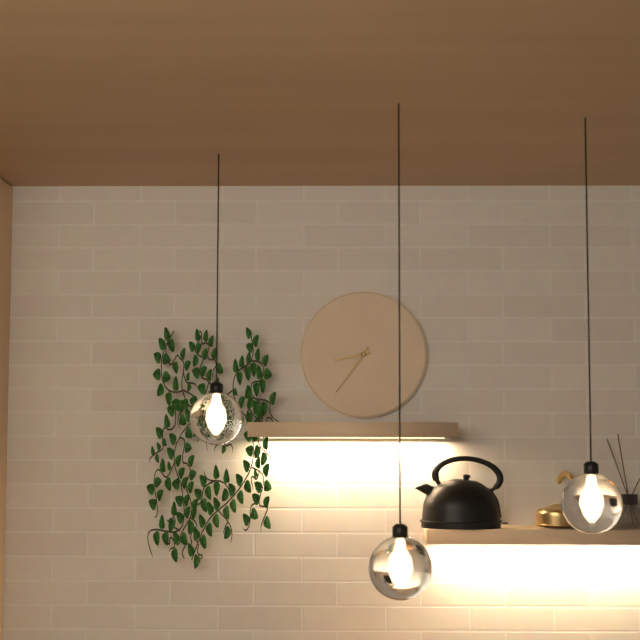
8:36
